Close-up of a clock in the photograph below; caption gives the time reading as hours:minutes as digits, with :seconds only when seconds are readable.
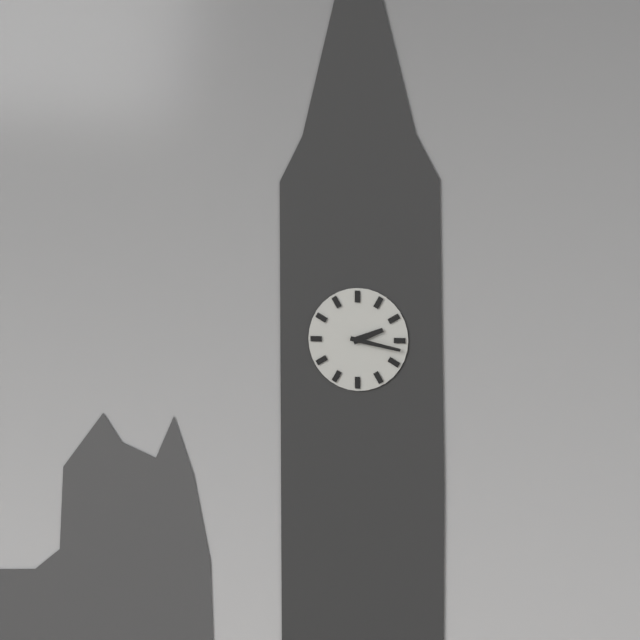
2:17
